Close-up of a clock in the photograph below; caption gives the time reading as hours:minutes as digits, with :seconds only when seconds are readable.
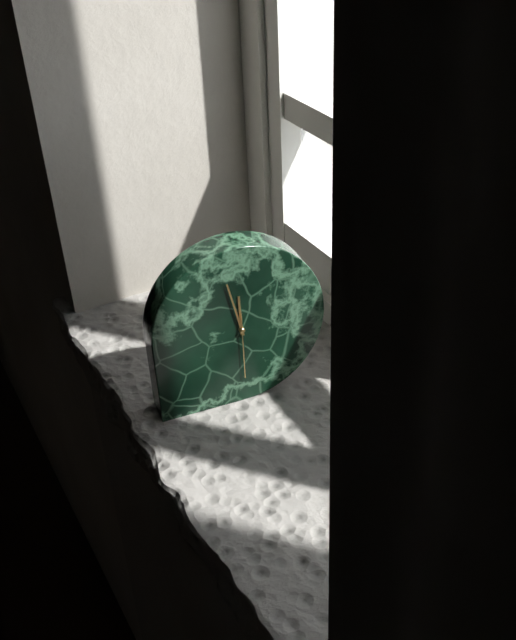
11:58:30
